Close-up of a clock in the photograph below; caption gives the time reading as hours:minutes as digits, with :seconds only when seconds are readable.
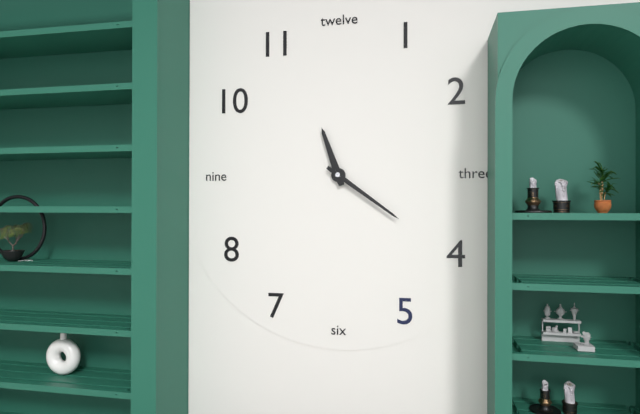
11:21
